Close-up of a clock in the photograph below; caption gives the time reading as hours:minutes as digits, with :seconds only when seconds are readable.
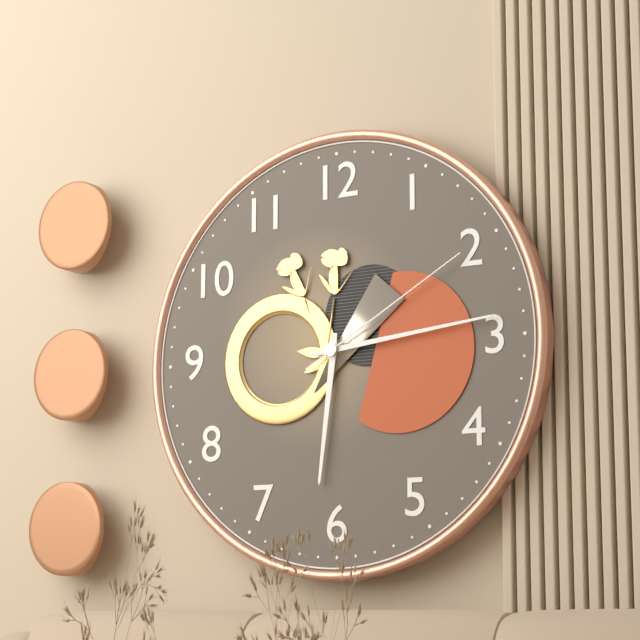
6:14:10
